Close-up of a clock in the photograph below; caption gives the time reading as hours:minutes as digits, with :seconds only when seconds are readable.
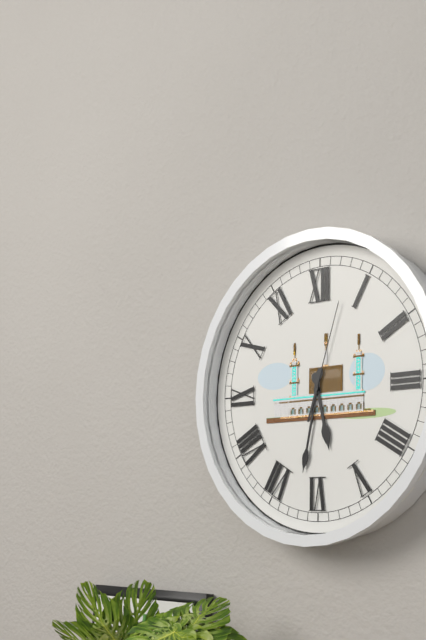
5:32:03
